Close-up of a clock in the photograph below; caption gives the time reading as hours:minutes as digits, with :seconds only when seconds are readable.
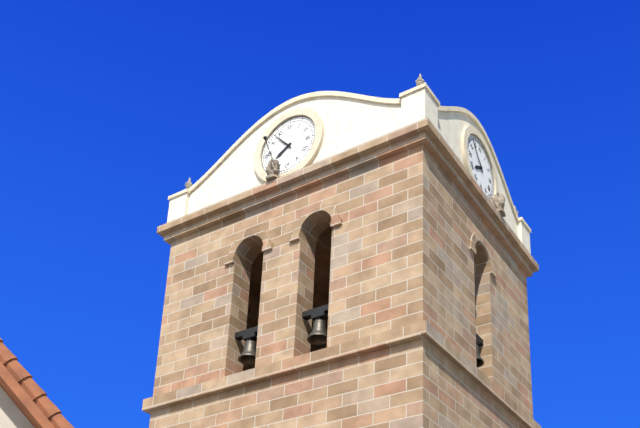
7:53
